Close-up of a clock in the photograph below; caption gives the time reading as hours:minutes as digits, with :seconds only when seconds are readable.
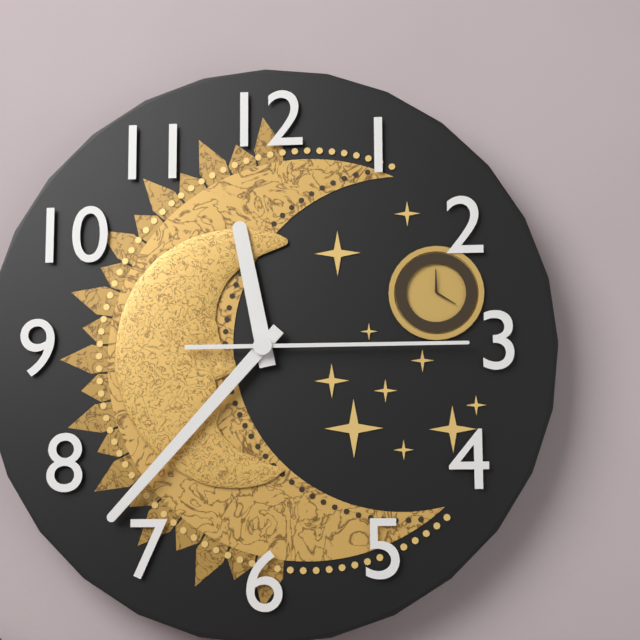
11:37:15
